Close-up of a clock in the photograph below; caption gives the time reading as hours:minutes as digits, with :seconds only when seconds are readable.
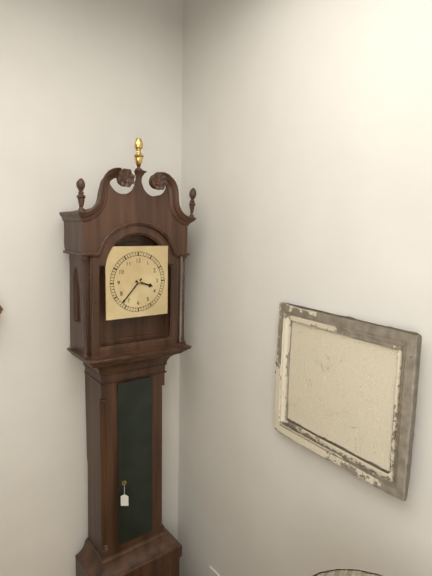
3:37
